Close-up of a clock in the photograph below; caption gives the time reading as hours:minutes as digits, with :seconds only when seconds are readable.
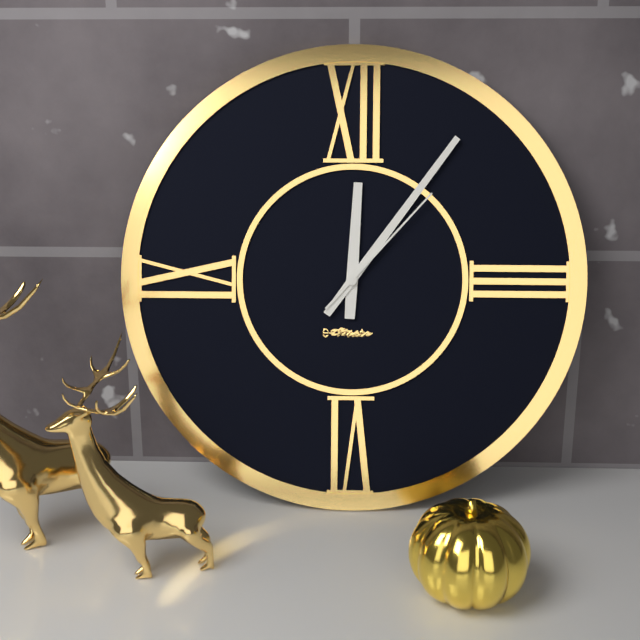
12:06:07
